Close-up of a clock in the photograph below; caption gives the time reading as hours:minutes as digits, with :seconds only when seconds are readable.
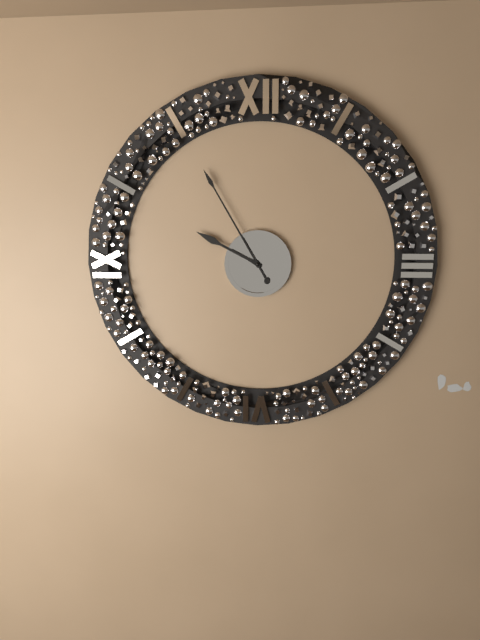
9:55
